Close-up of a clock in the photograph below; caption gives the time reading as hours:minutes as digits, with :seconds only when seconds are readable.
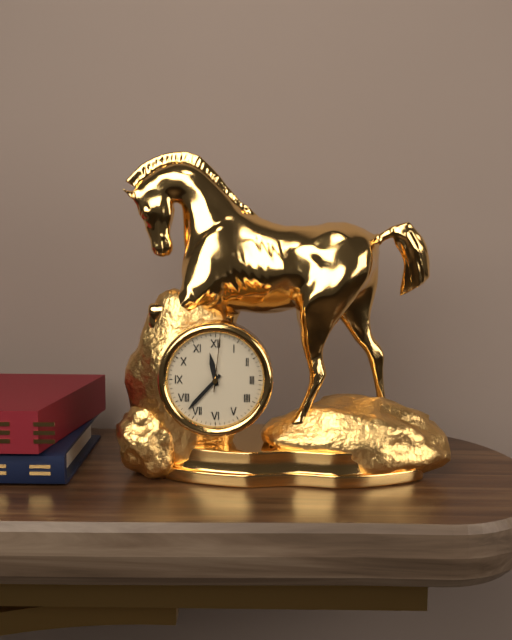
11:37:01
